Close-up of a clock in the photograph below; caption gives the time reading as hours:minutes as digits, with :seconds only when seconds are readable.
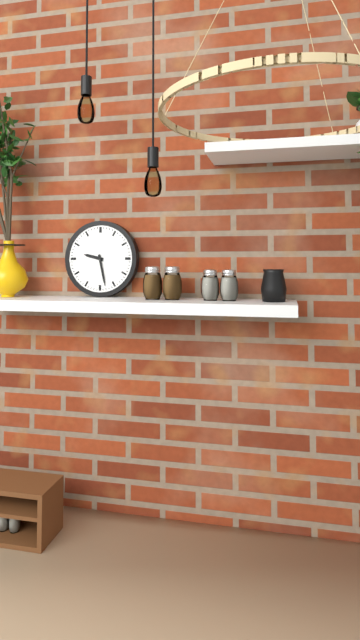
9:28
